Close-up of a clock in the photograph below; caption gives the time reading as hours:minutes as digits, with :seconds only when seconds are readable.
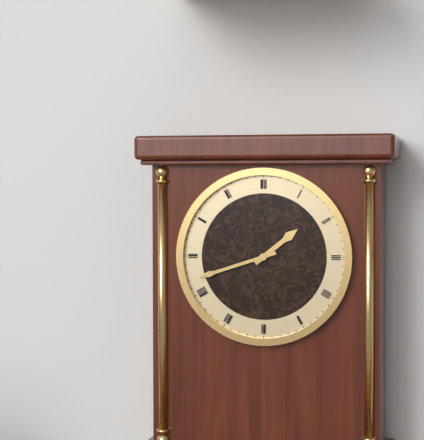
1:42
